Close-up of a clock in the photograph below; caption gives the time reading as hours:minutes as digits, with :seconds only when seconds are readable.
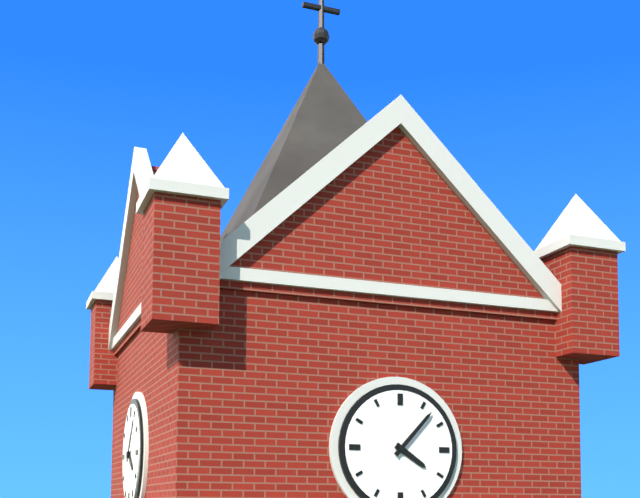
4:07
